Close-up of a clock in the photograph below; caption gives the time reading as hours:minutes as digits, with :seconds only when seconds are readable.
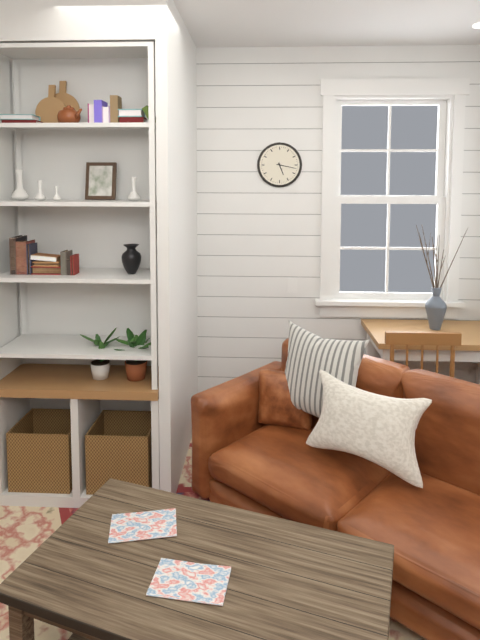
5:17
